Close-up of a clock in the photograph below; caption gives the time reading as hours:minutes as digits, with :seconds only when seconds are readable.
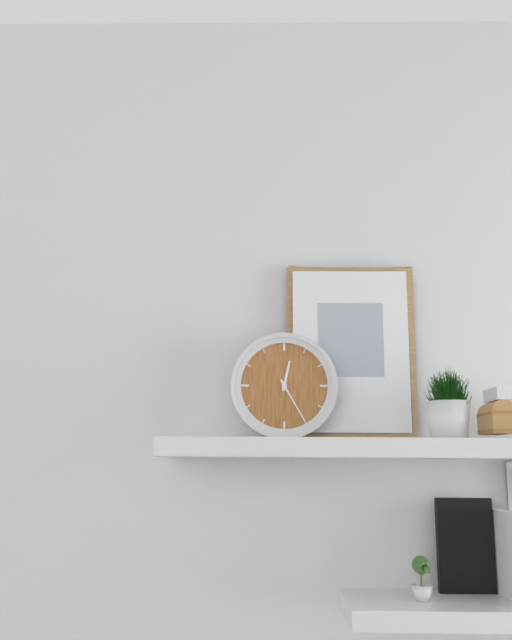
12:25
